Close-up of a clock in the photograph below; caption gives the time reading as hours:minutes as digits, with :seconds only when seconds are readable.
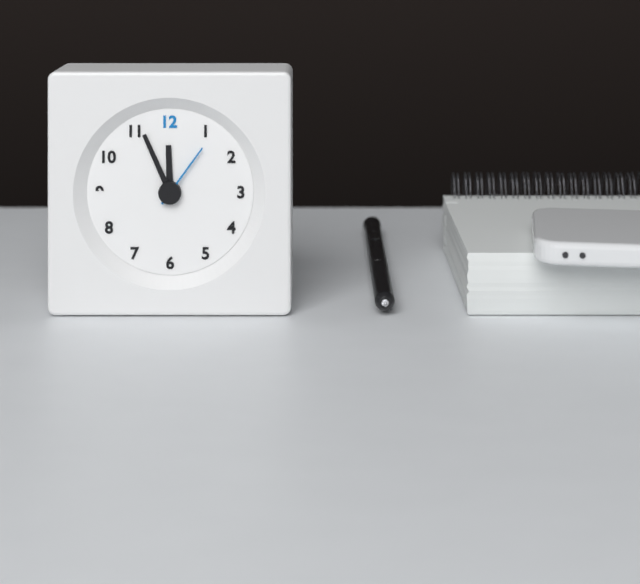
11:56:06
